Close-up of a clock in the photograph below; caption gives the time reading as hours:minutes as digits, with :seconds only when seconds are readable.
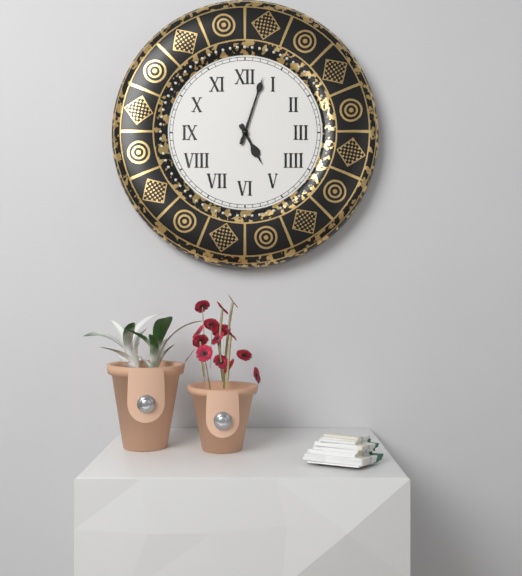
5:03
